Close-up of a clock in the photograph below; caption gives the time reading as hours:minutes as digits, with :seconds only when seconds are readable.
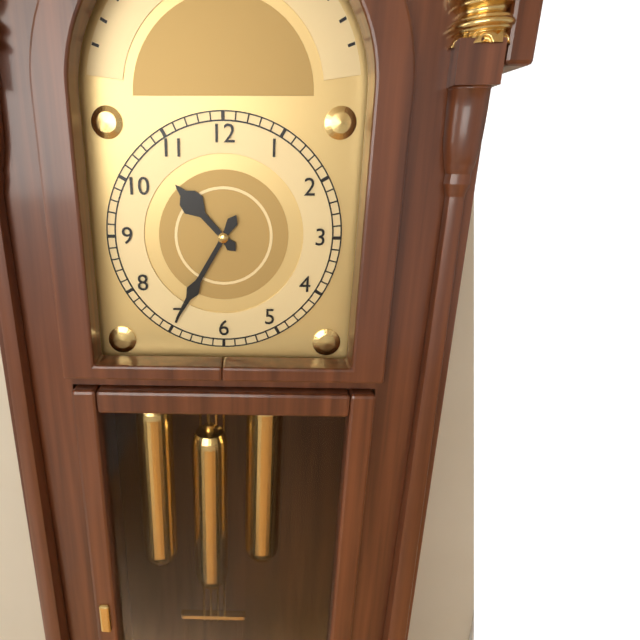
10:35
